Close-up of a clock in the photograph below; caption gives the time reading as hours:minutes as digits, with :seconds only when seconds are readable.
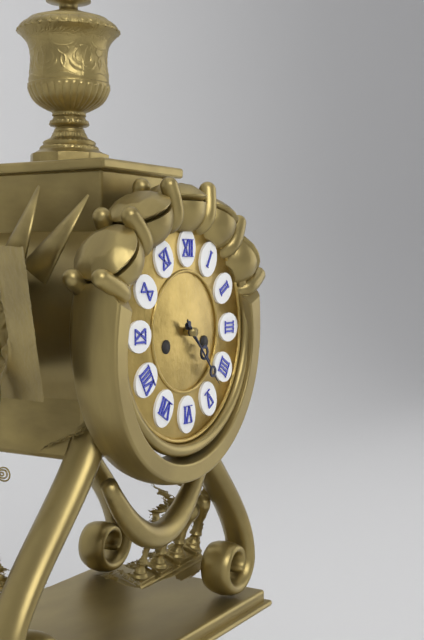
4:23
